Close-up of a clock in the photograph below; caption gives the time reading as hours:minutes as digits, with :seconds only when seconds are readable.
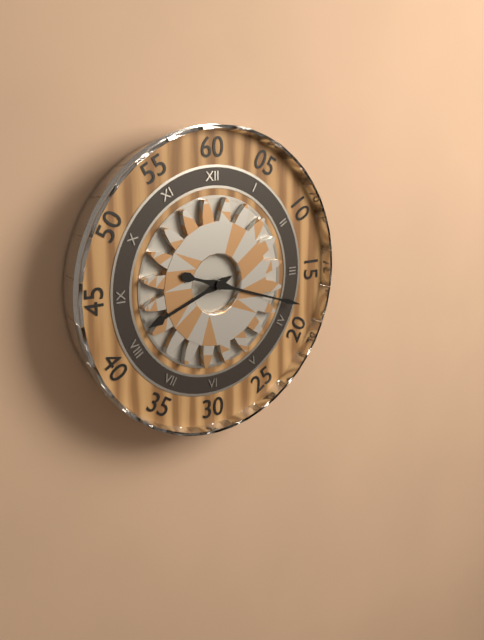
8:18
